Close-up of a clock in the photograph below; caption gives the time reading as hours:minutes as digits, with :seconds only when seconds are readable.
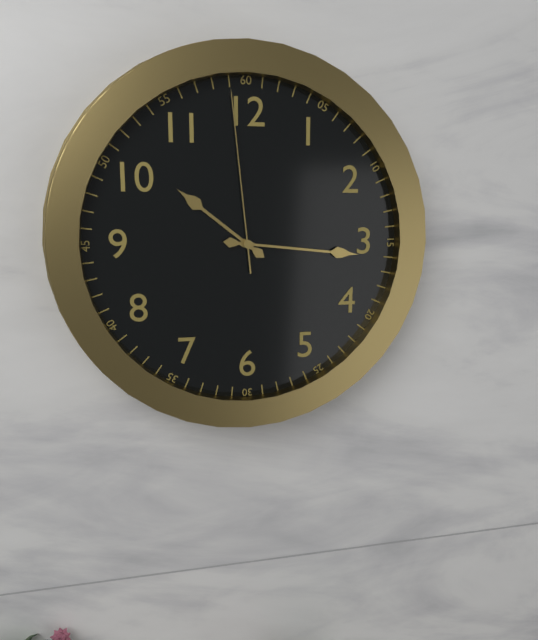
10:16:59
